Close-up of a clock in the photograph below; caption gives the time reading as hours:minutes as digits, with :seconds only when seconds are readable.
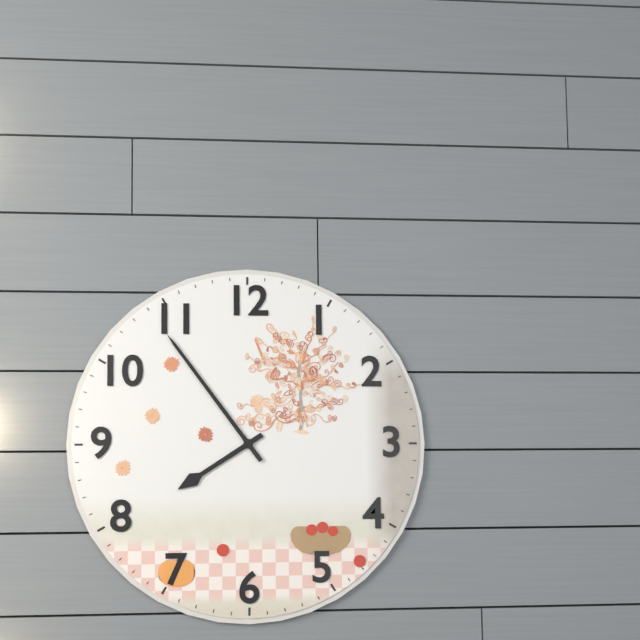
7:54
